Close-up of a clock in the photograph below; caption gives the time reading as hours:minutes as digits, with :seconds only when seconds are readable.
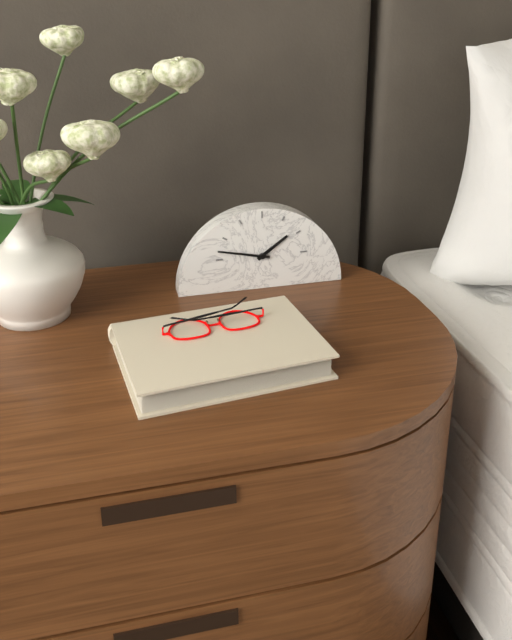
1:47
